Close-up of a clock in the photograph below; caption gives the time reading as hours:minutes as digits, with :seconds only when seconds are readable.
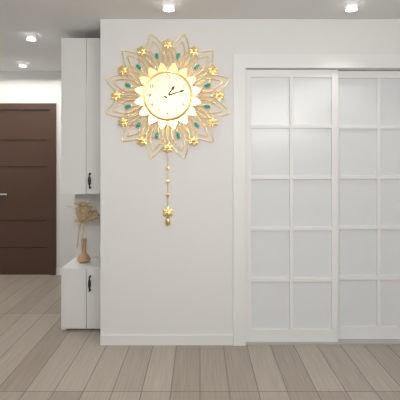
1:12
